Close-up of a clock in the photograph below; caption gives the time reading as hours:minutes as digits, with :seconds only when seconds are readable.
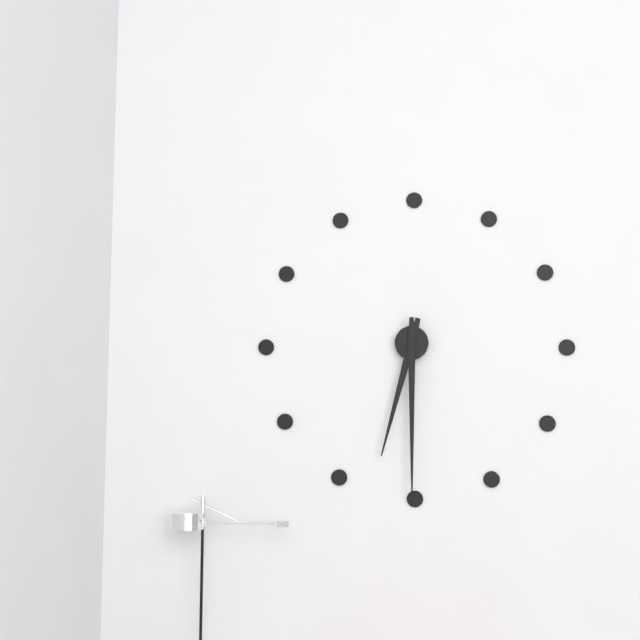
6:30
